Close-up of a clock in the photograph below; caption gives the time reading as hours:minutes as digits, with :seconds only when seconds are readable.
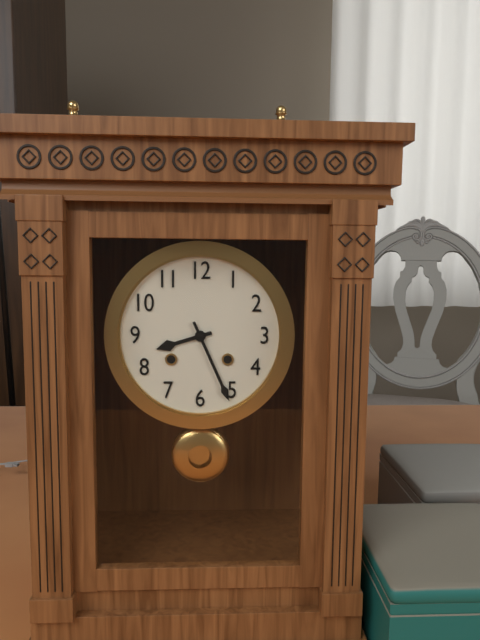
8:26
